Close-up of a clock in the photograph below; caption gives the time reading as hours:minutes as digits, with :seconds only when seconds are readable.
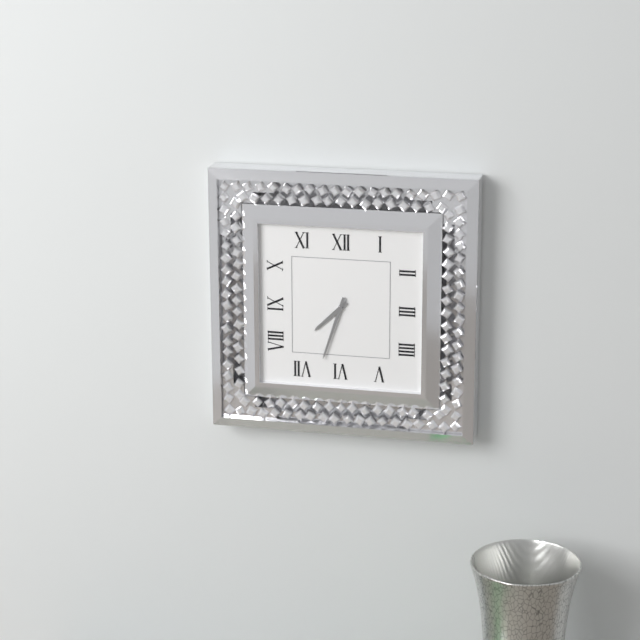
7:33
